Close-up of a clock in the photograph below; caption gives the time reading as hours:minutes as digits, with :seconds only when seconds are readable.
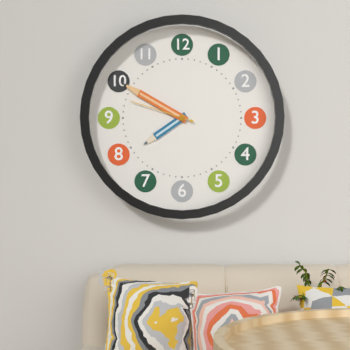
7:50:48
